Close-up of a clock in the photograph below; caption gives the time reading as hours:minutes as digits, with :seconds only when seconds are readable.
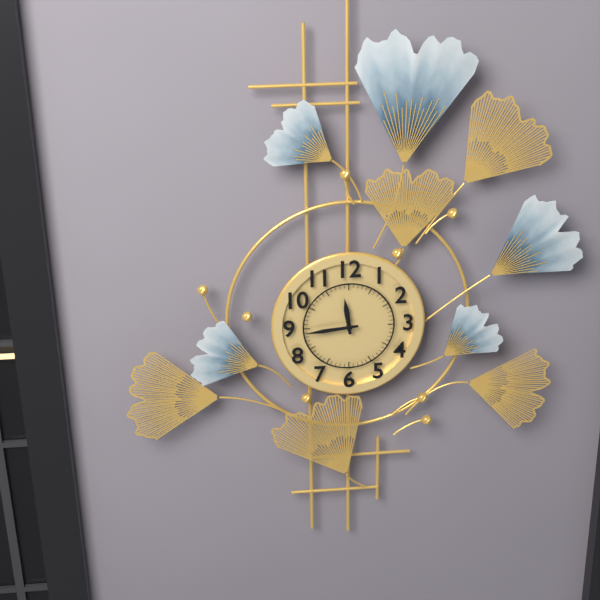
11:44
